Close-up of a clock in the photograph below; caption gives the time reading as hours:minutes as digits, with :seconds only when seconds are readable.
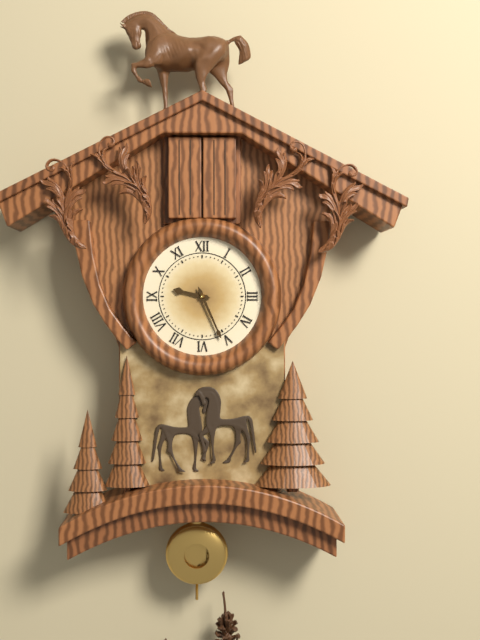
9:26
